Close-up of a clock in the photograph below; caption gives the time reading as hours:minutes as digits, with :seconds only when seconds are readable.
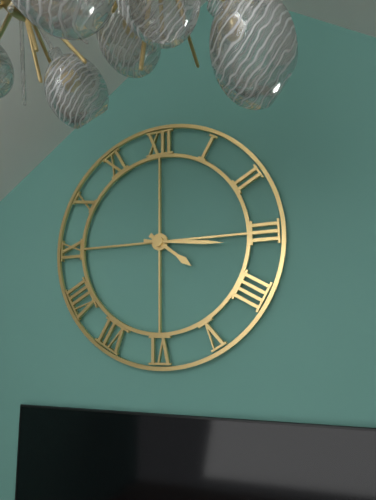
4:16
